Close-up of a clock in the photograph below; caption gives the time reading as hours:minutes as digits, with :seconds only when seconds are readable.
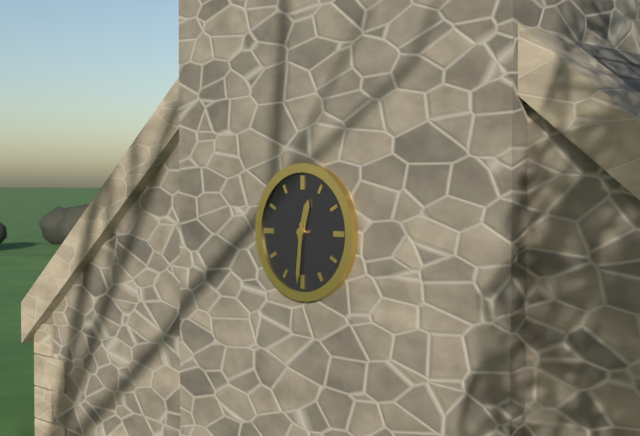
12:31
